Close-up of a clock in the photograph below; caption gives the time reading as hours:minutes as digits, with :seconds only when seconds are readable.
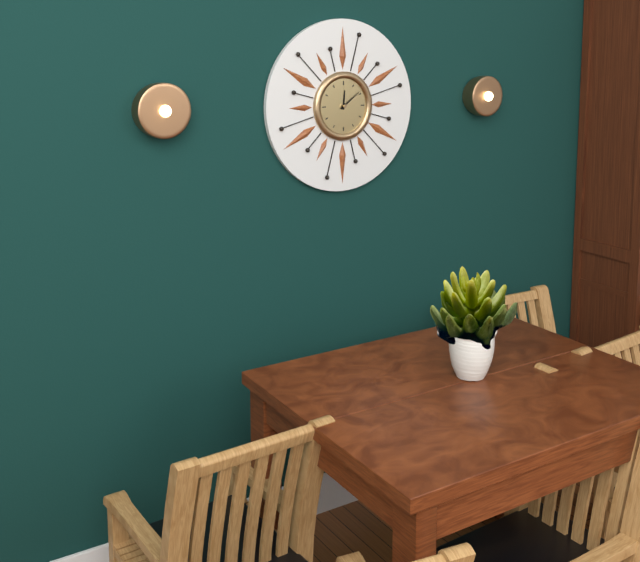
12:09
